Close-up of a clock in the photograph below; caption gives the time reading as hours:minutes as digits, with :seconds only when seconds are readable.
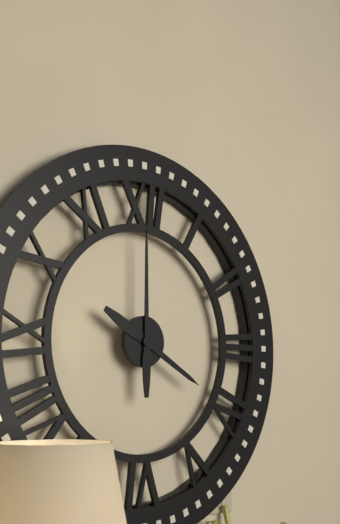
4:00
